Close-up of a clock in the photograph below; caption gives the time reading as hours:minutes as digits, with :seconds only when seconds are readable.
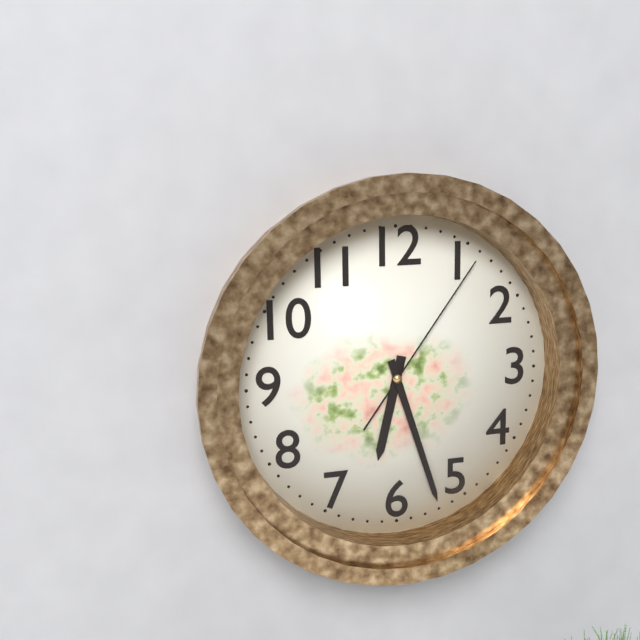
6:27:06
